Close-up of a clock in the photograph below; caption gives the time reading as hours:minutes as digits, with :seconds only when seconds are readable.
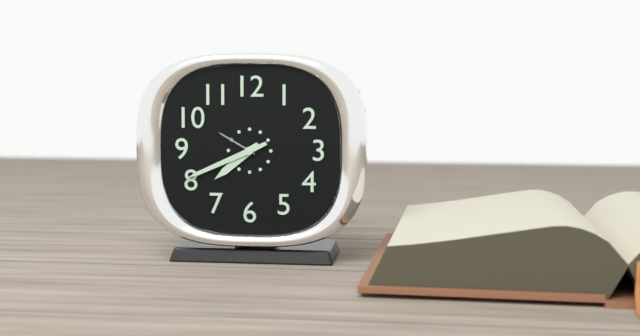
7:41
